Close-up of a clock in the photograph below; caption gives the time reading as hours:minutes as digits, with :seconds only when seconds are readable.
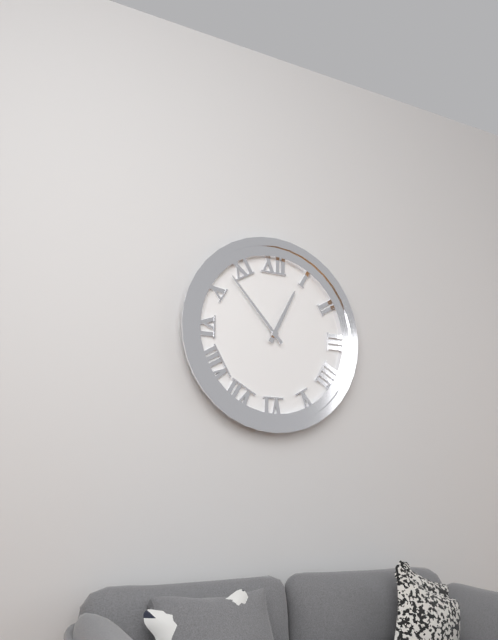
12:53
